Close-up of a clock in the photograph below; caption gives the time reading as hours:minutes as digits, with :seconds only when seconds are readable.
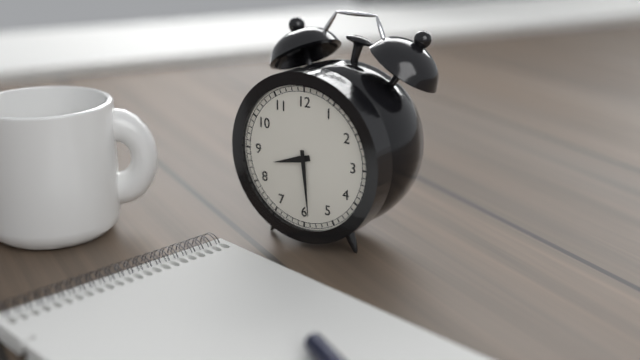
8:29
